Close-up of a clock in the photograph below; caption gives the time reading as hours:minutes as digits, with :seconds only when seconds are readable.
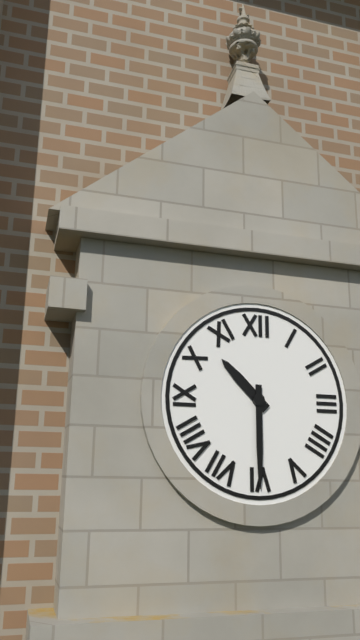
10:30
